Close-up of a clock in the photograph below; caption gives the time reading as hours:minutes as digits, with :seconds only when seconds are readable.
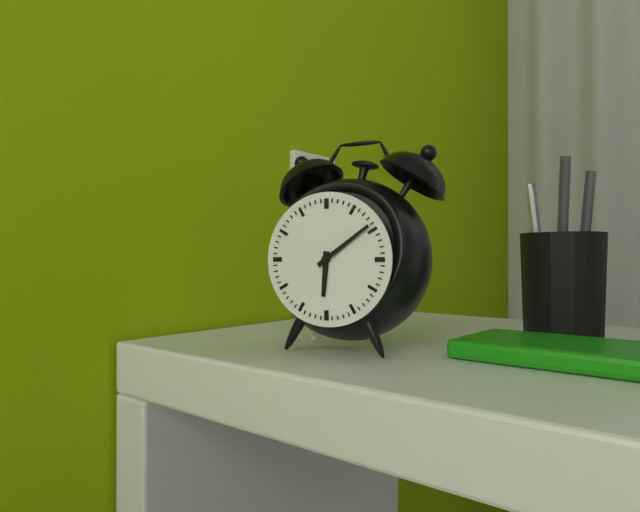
6:09
